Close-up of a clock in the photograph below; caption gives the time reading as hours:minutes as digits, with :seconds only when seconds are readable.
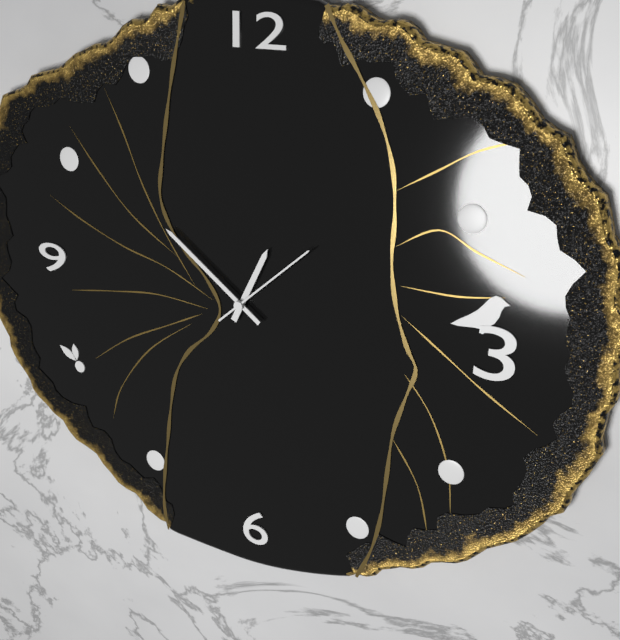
12:51:08
